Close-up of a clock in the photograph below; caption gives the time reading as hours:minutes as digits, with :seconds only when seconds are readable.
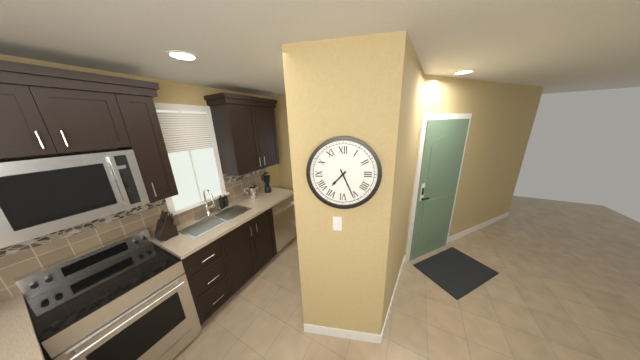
7:26
